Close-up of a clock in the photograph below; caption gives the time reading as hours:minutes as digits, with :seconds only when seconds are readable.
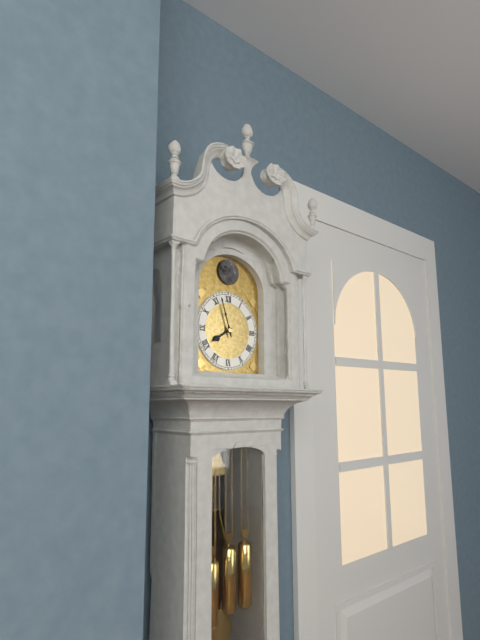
7:57
